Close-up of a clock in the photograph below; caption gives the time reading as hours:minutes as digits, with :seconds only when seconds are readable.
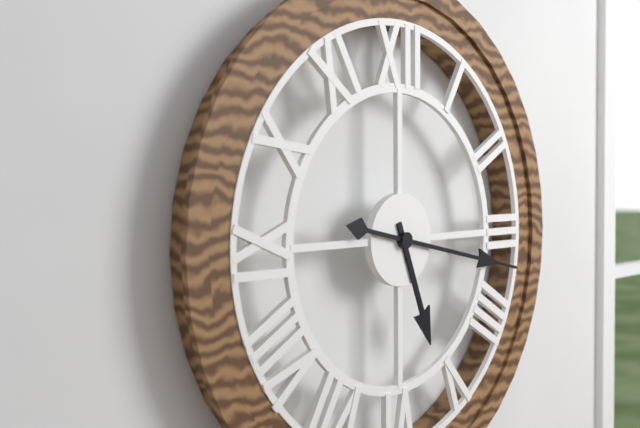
5:17
